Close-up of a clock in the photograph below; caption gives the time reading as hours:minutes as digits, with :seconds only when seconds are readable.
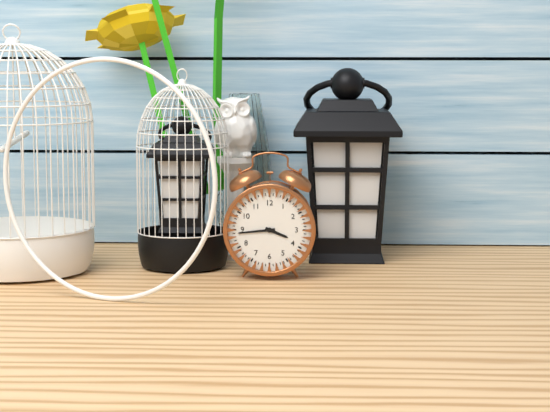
3:44
